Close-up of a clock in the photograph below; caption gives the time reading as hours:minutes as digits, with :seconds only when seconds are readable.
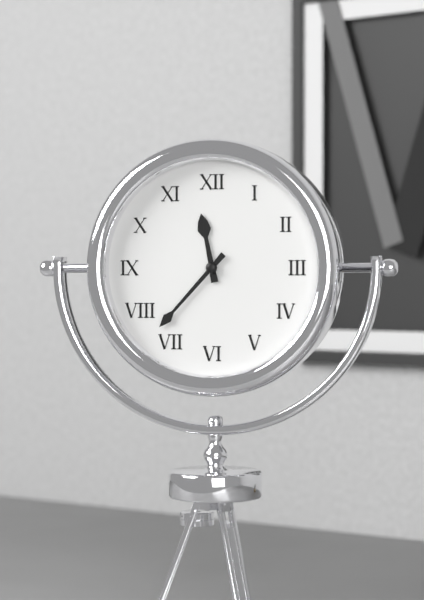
11:37
